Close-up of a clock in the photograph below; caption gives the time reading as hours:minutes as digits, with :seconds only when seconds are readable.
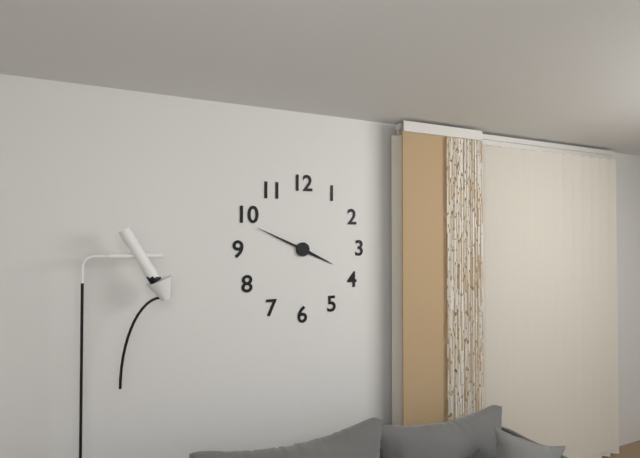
3:49
